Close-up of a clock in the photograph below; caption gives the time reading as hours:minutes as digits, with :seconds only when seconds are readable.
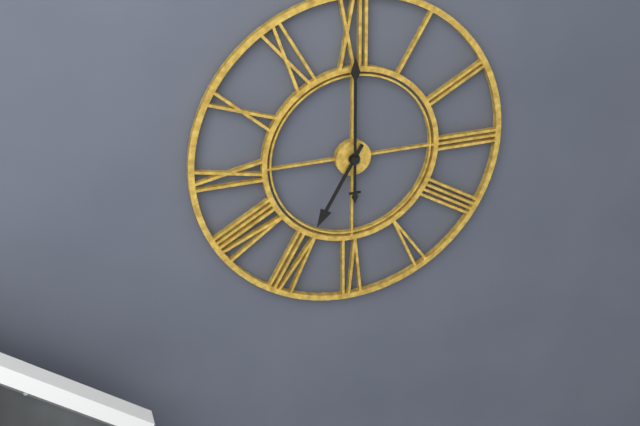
7:00
